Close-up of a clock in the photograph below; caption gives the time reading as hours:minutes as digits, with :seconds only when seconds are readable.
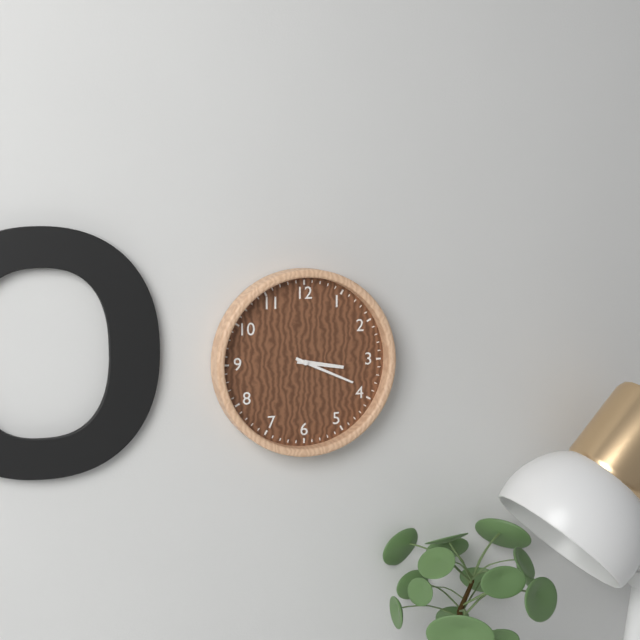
3:19
